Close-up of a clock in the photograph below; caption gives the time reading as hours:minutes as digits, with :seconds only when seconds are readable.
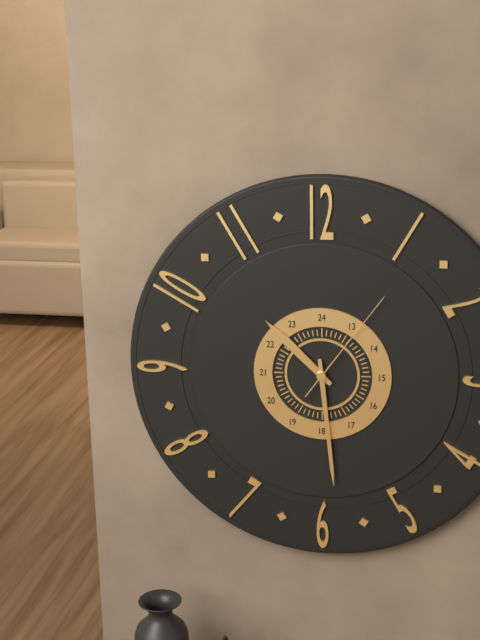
10:29:06
